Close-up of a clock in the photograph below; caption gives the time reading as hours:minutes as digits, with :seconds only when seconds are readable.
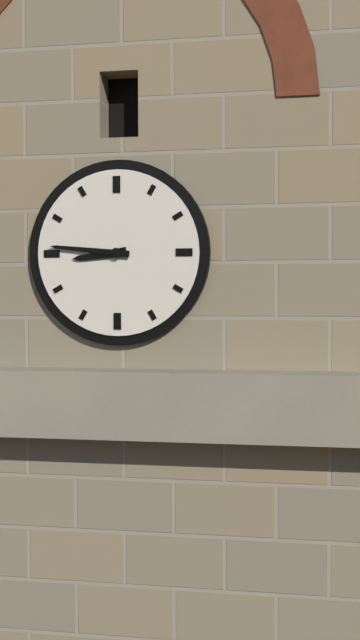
8:46
